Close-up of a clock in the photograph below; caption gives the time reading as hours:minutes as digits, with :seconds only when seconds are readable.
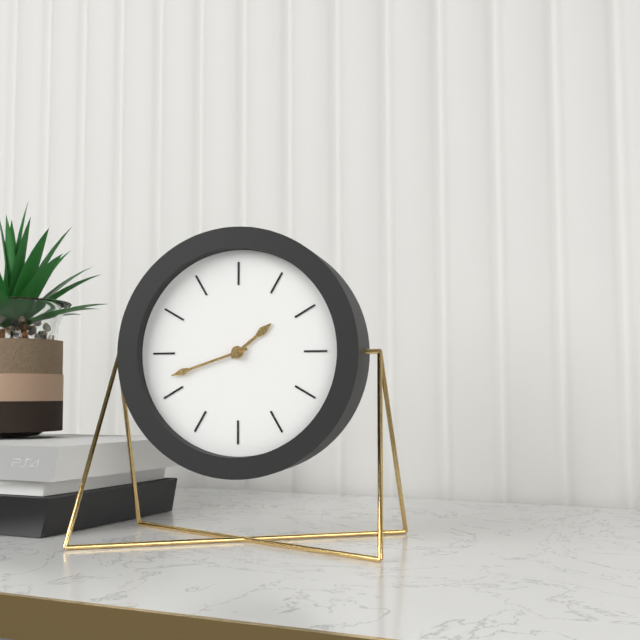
1:42
